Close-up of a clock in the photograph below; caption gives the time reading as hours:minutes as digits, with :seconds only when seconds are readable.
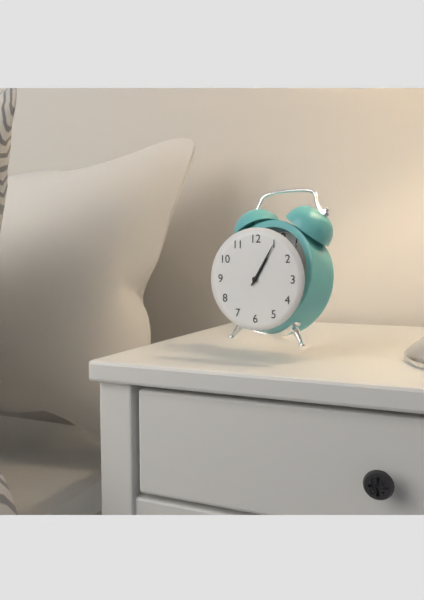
1:05
